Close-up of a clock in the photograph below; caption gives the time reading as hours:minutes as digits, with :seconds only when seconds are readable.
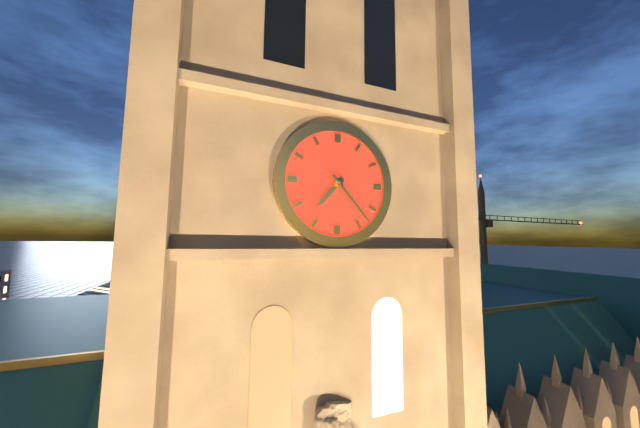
7:23
